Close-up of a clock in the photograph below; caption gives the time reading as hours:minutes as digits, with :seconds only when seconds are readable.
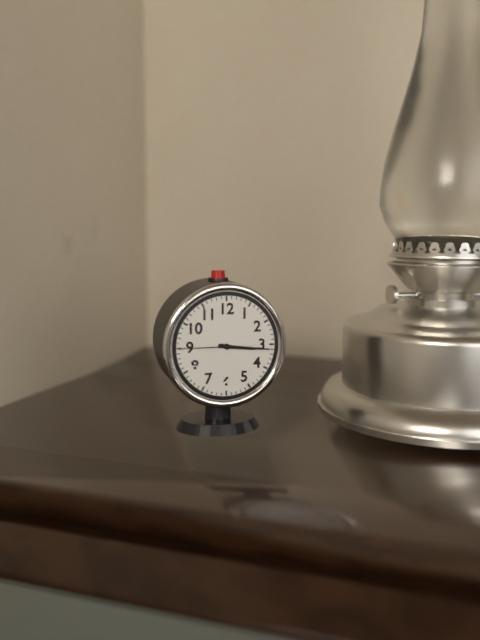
3:16:45
